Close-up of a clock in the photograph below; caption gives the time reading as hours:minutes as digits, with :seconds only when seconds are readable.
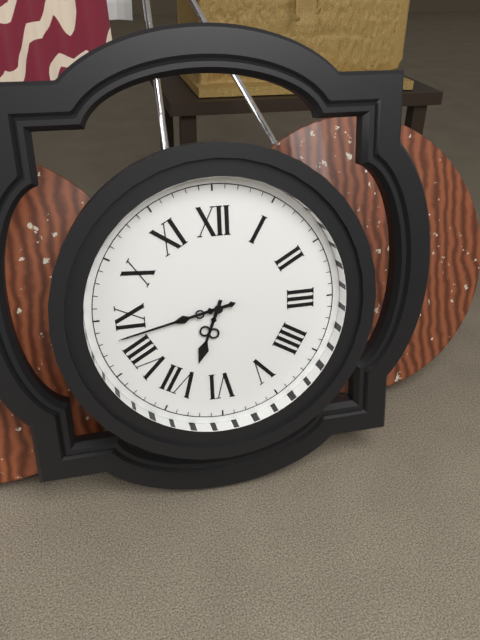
6:43
